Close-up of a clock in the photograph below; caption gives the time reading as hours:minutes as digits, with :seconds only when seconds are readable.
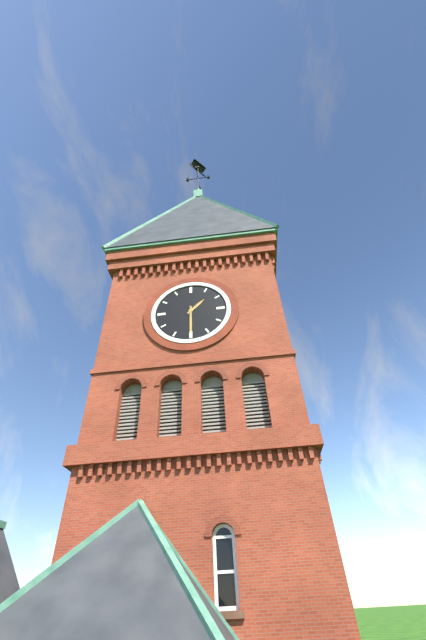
1:30
